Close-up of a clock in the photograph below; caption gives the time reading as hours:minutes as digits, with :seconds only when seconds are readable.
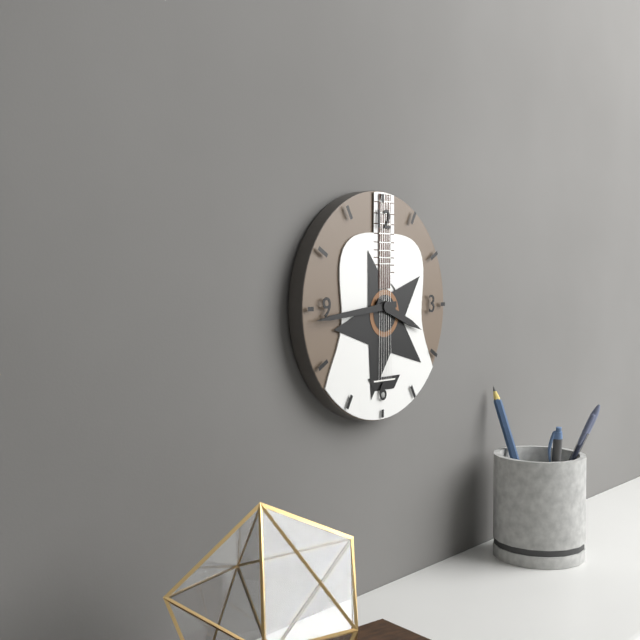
3:44
